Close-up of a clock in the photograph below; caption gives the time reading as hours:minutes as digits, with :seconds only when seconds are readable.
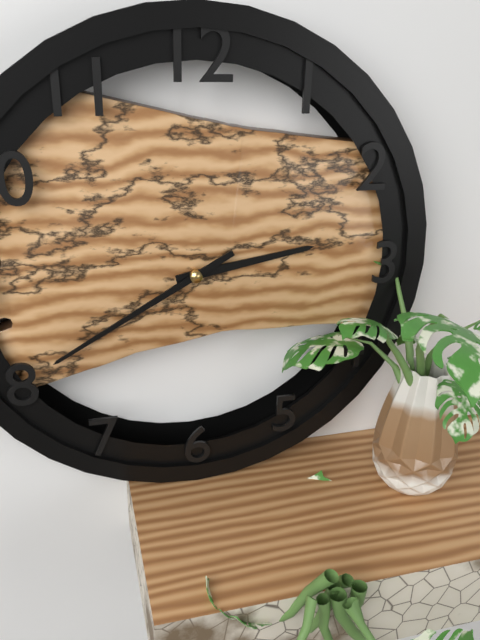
2:40
